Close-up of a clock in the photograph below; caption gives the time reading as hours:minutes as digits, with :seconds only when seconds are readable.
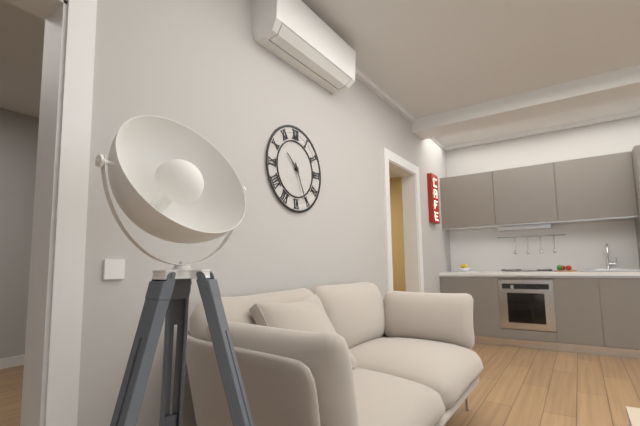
10:26
